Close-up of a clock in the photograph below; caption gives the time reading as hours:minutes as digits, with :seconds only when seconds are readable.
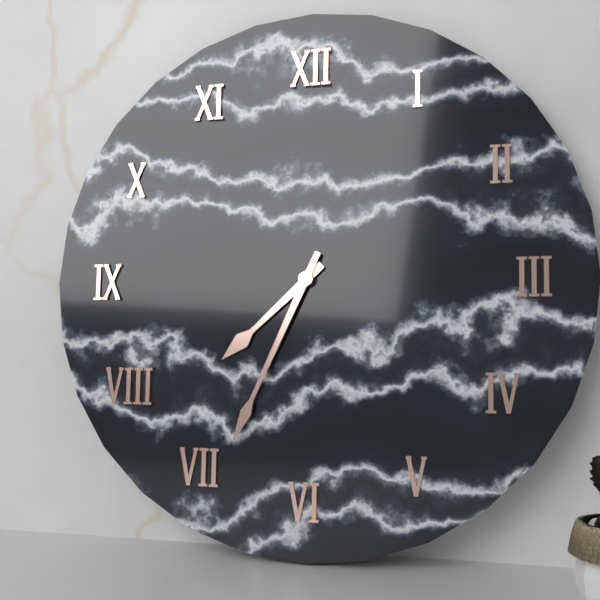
7:34
